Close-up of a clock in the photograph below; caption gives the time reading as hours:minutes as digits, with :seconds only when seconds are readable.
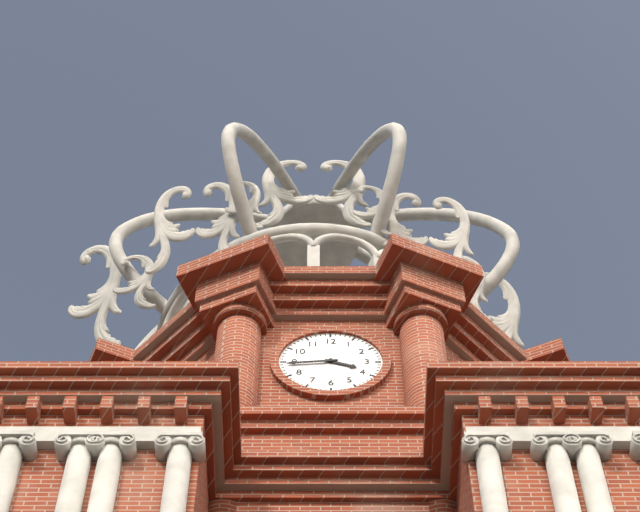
3:44
